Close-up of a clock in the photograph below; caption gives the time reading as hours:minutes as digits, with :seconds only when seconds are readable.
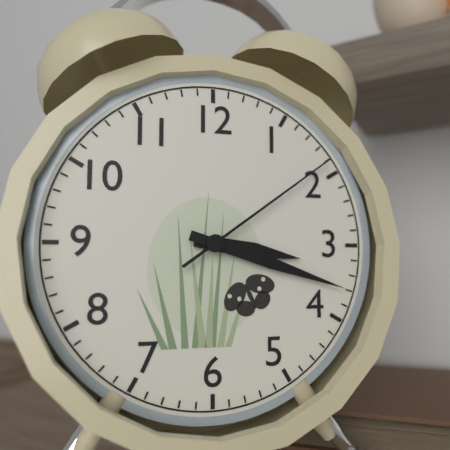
3:18:09
